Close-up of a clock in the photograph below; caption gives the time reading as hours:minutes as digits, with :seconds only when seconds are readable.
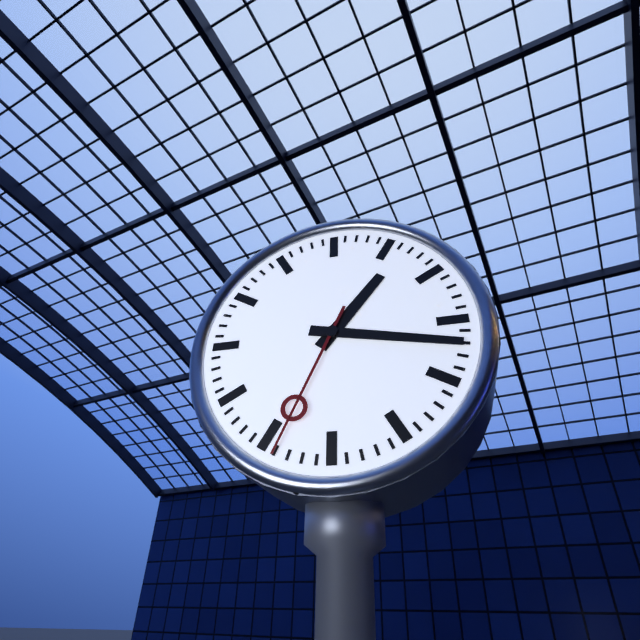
1:17:34
